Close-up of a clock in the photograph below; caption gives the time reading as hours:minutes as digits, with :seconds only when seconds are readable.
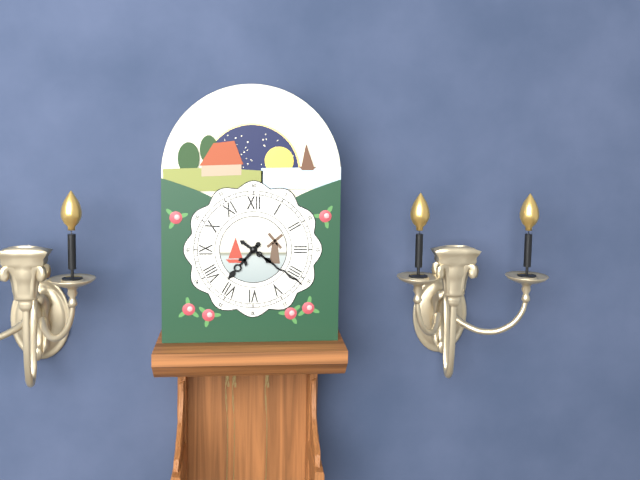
7:21
